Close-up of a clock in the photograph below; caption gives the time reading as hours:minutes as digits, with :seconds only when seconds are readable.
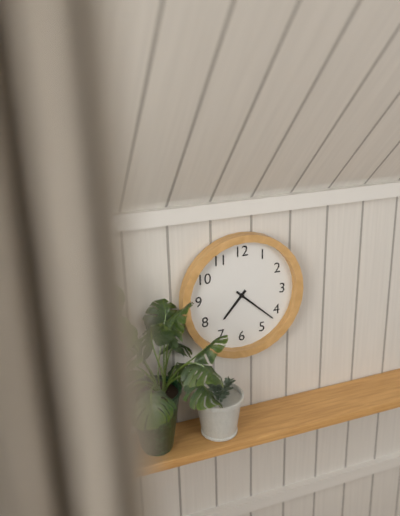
7:22
